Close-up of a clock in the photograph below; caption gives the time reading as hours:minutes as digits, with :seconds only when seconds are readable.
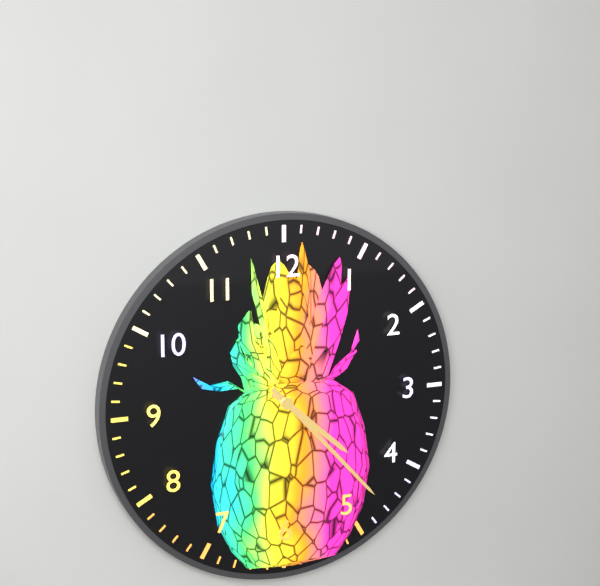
4:23
